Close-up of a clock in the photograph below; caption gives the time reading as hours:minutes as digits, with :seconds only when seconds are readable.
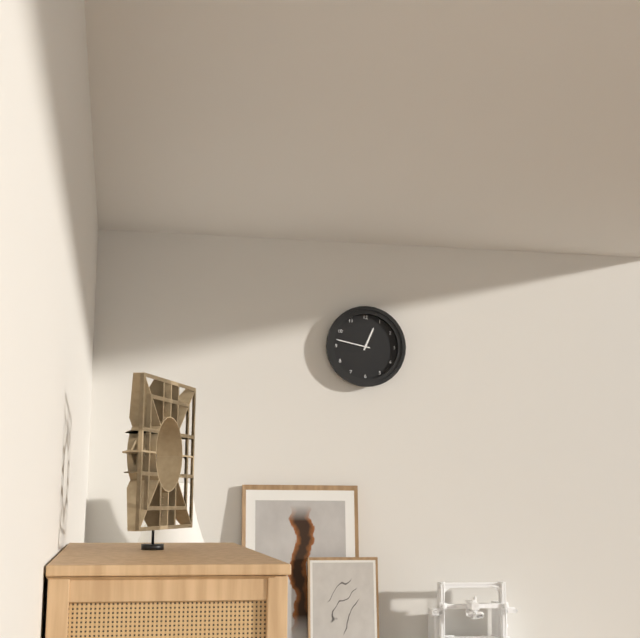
12:47
